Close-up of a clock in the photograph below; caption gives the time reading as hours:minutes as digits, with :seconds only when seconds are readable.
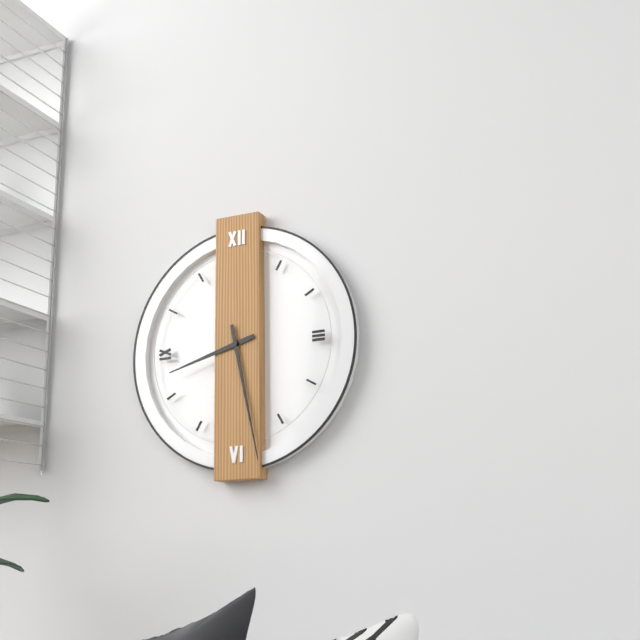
8:28
